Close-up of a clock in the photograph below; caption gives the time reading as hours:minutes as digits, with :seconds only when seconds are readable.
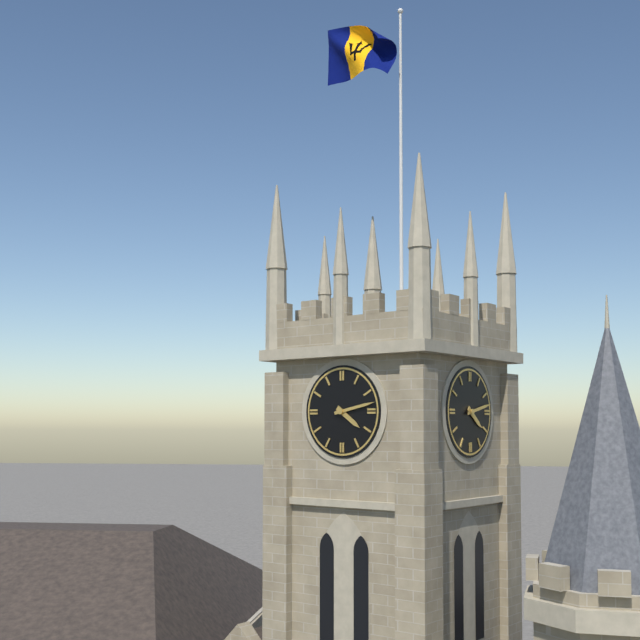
4:13
